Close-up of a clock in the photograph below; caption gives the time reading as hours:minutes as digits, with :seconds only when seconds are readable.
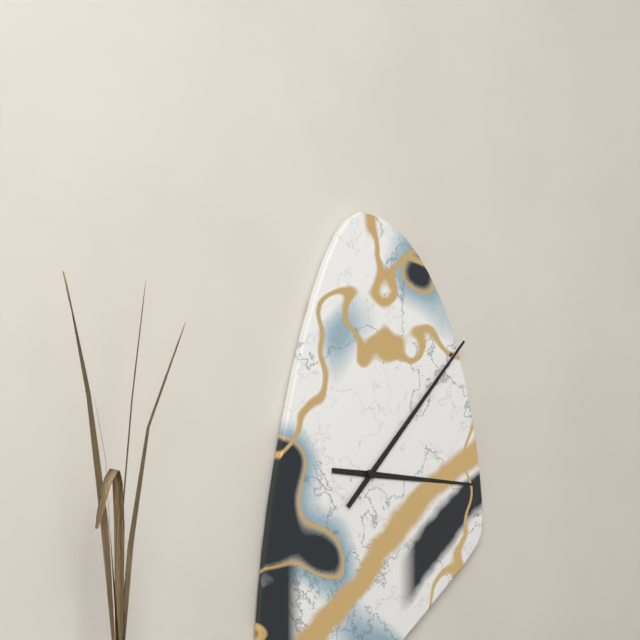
3:07
